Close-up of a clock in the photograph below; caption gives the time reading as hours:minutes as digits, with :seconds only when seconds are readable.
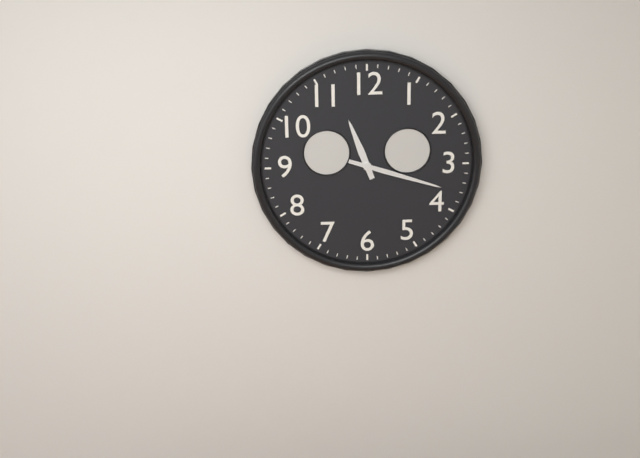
11:18
